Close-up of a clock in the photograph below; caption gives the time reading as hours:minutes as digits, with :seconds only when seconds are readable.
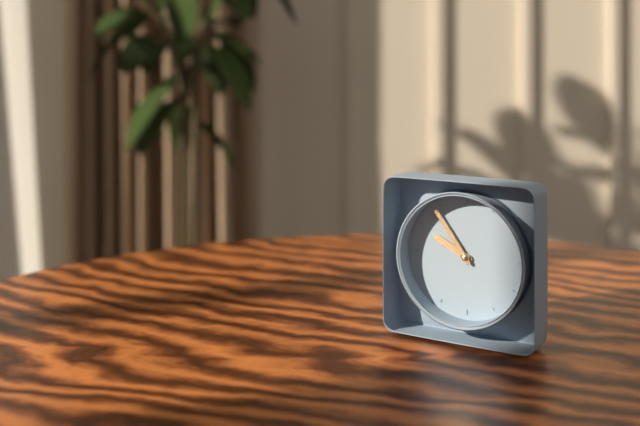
9:54
